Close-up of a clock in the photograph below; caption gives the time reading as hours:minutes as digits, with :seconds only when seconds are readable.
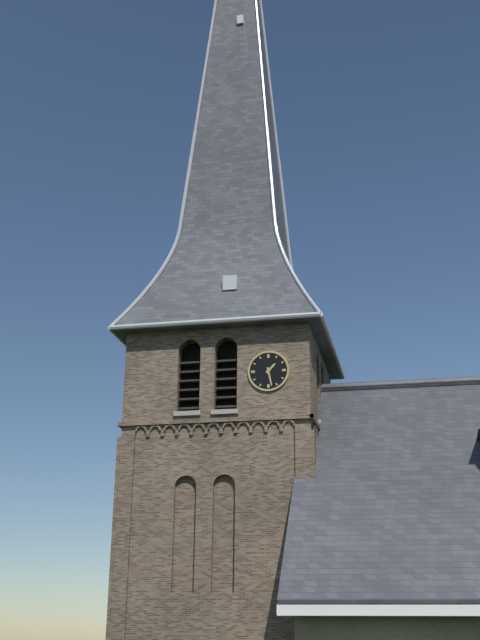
1:28
